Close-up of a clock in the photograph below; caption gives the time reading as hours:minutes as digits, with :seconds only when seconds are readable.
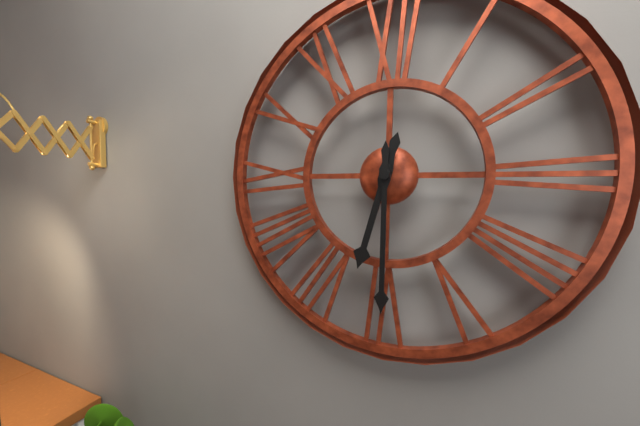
6:30
